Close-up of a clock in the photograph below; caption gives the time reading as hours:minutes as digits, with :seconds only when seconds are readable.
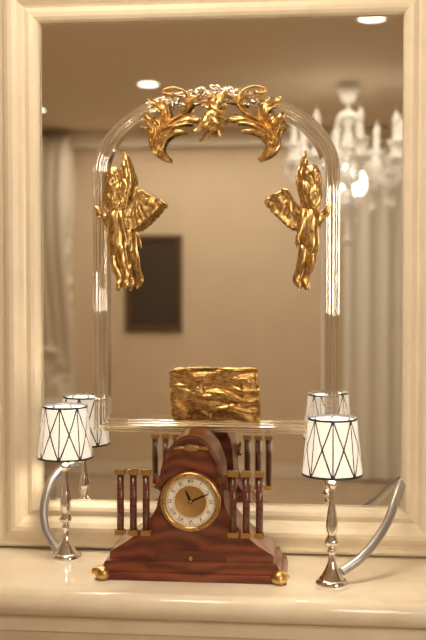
11:11
